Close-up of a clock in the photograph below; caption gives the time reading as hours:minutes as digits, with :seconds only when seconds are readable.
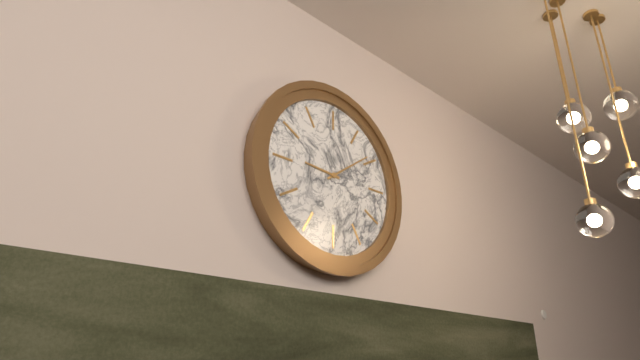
9:09
